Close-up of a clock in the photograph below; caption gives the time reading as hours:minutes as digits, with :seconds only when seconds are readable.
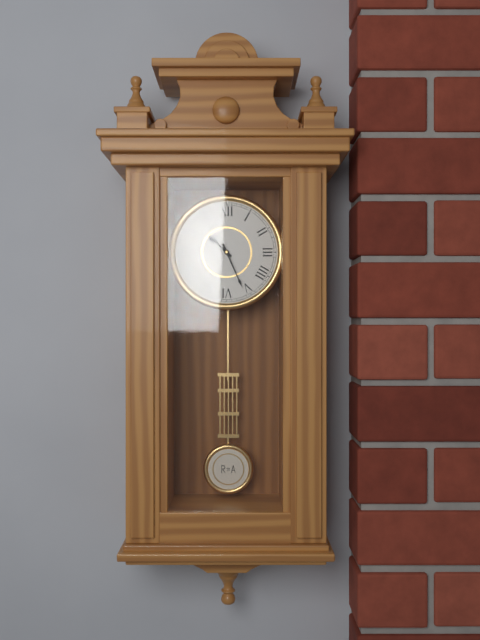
10:26
